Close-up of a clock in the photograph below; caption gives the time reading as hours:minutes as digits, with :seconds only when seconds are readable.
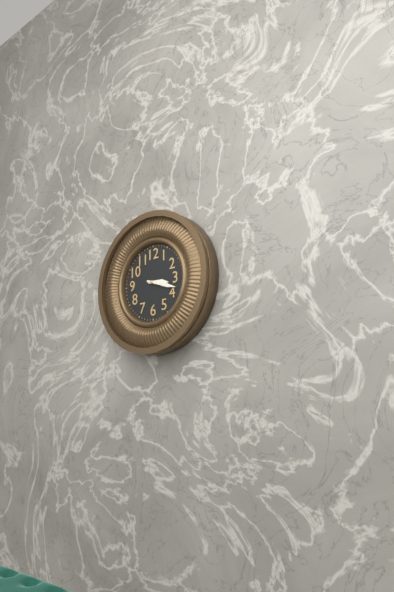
3:18
